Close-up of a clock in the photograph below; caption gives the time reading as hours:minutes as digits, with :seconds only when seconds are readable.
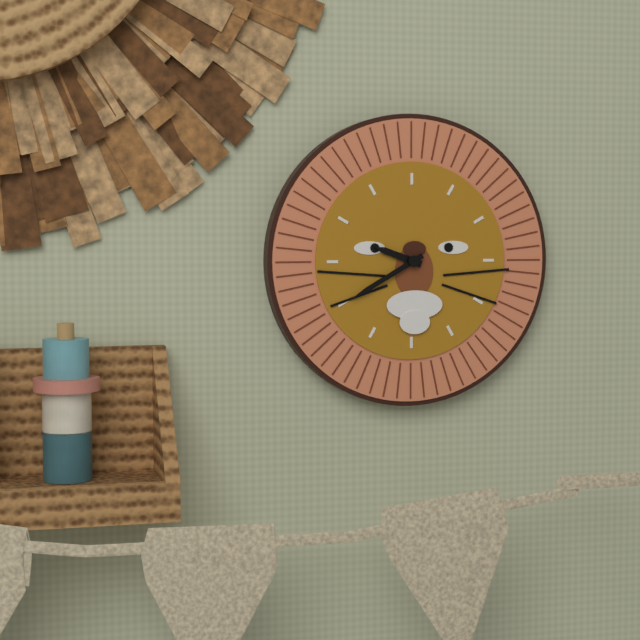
9:40
